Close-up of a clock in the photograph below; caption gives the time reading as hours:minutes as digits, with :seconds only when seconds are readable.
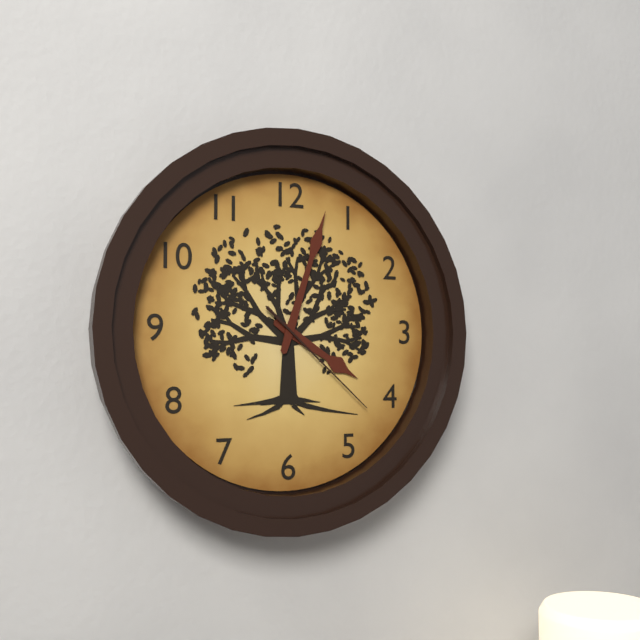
4:03:22
